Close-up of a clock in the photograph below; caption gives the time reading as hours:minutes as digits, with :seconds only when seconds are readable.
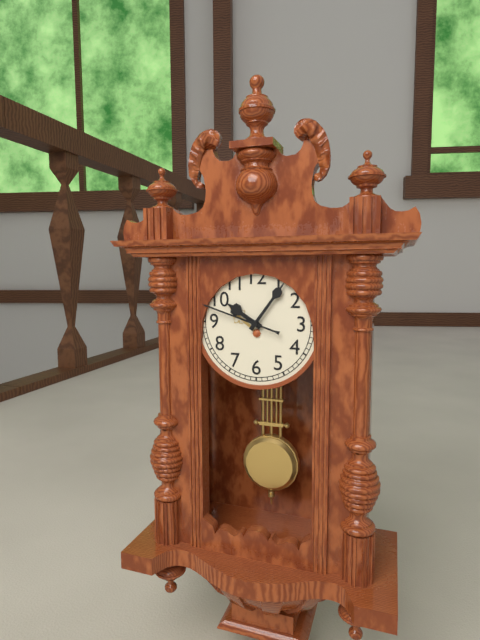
10:06:48
